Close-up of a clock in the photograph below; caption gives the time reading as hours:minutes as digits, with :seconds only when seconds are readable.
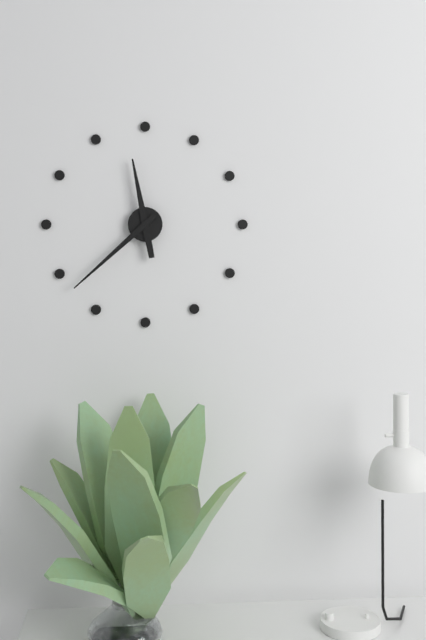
11:38
